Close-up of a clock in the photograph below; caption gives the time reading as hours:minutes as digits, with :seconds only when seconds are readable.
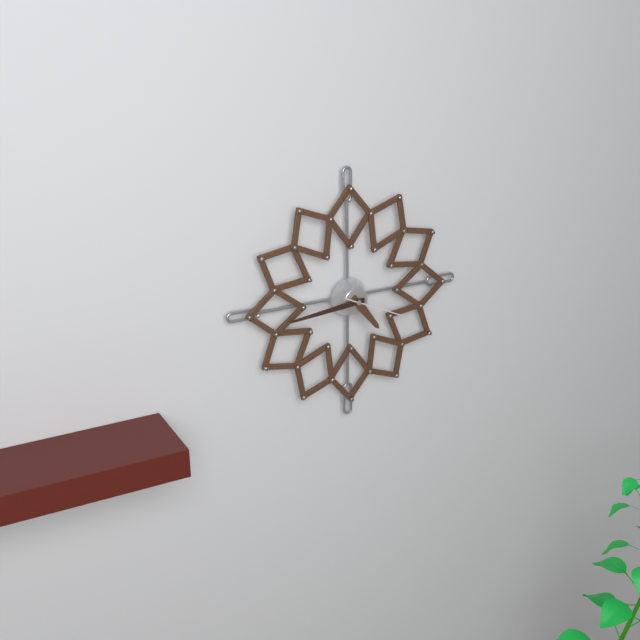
4:44:19
